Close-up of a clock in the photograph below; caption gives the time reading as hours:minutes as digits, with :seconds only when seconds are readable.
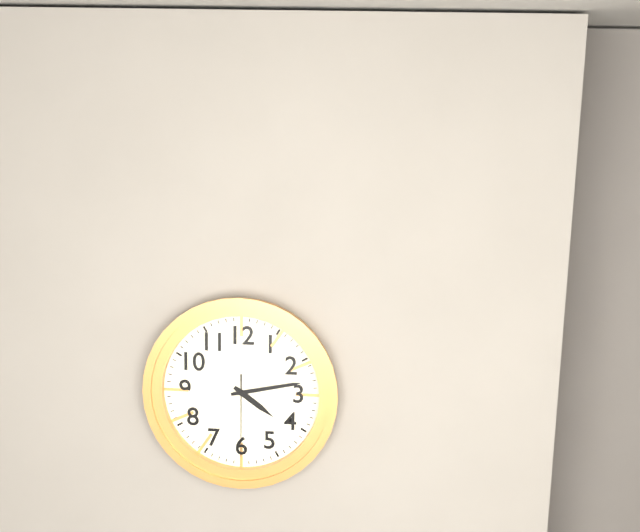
4:13:30
